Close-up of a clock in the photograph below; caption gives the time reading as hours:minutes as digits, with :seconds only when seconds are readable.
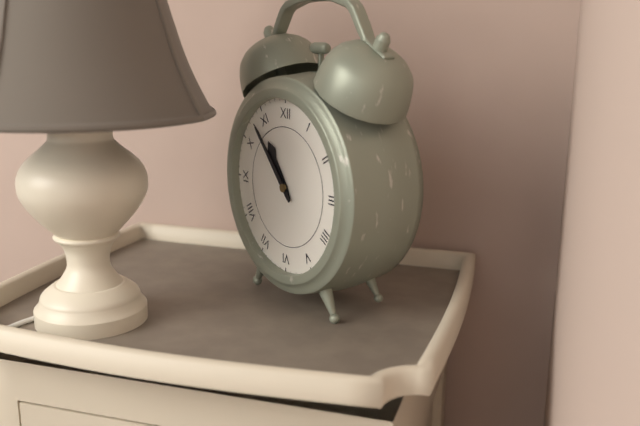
10:53
